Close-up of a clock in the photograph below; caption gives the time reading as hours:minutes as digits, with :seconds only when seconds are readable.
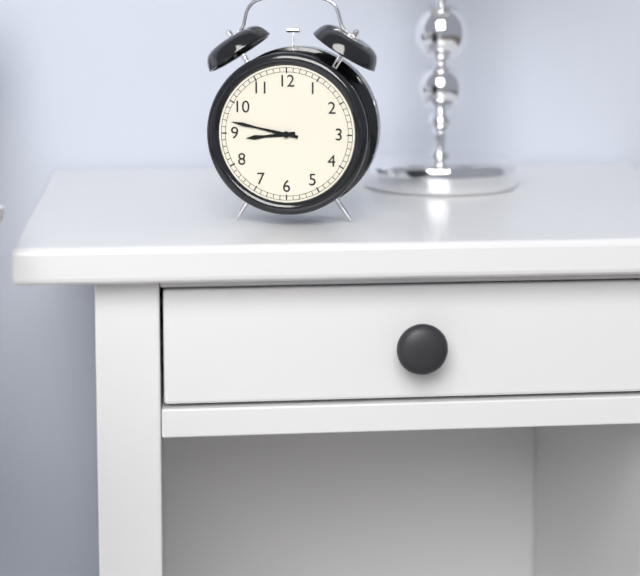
8:47
